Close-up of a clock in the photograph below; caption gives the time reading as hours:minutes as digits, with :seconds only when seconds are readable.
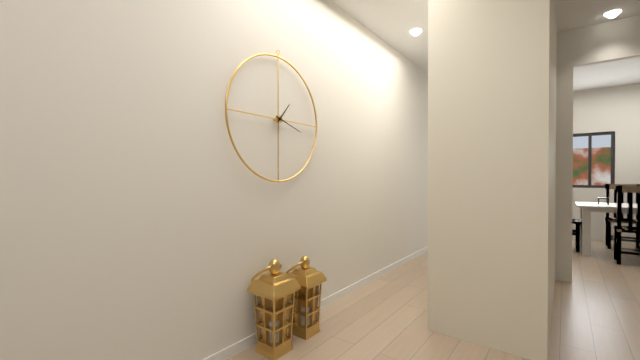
1:18
